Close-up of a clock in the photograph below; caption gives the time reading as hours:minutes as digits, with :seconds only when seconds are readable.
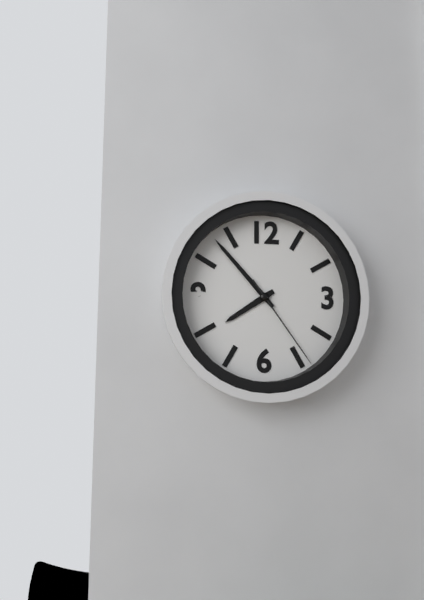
7:53:24
